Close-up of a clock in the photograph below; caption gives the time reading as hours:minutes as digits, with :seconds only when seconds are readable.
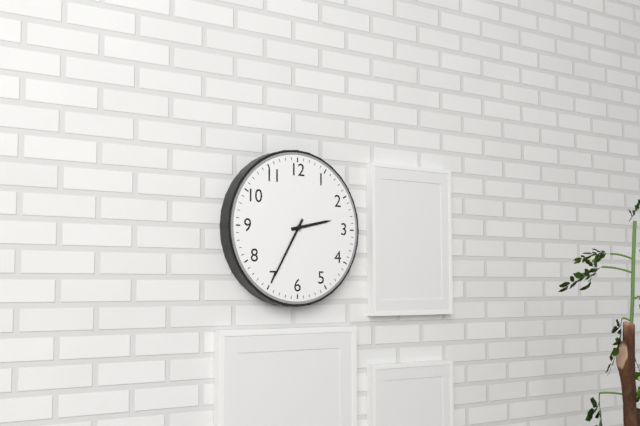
2:35
